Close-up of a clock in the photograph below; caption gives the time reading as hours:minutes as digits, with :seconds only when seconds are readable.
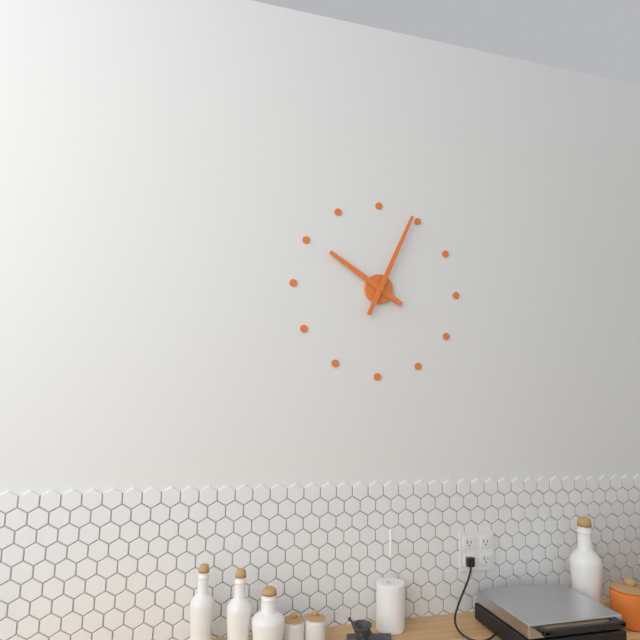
10:04
